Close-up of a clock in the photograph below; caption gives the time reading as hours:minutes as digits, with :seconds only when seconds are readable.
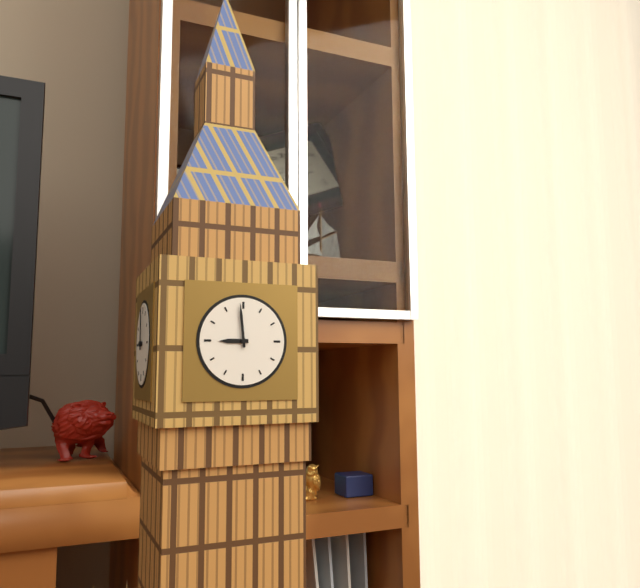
8:59
